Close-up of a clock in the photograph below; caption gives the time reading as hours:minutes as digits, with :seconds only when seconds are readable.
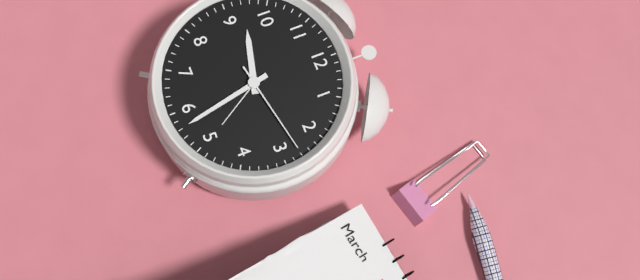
9:28:13
